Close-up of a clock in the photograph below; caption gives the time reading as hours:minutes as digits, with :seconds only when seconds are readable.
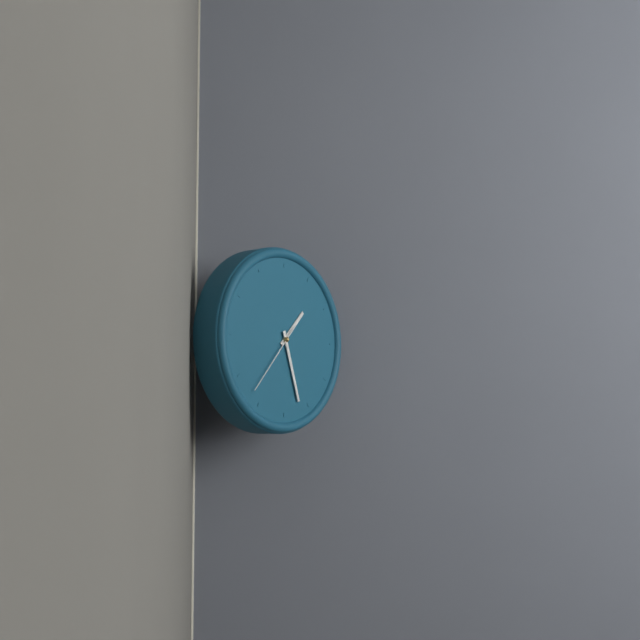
1:27:37
